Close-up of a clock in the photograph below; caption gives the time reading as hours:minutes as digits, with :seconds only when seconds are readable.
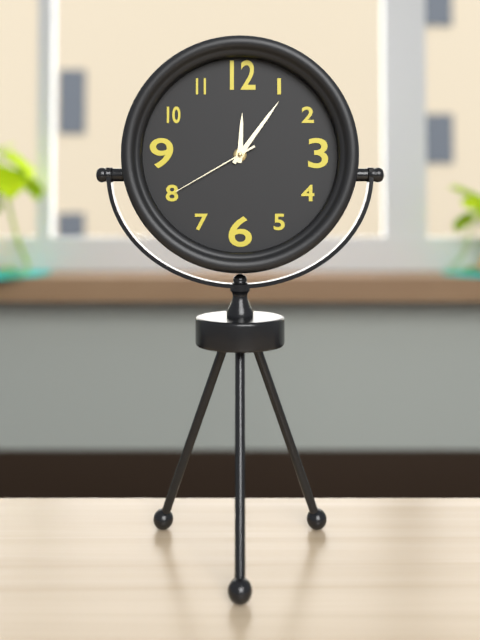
12:06:40
